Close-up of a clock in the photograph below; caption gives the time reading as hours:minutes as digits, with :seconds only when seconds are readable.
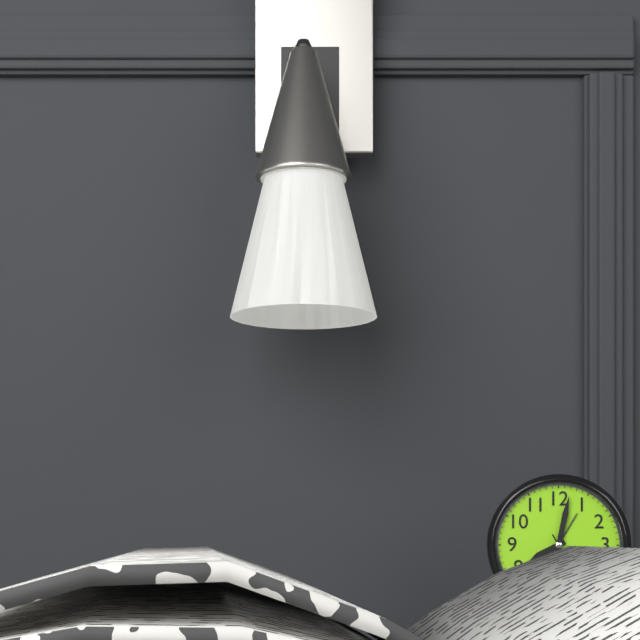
8:02
